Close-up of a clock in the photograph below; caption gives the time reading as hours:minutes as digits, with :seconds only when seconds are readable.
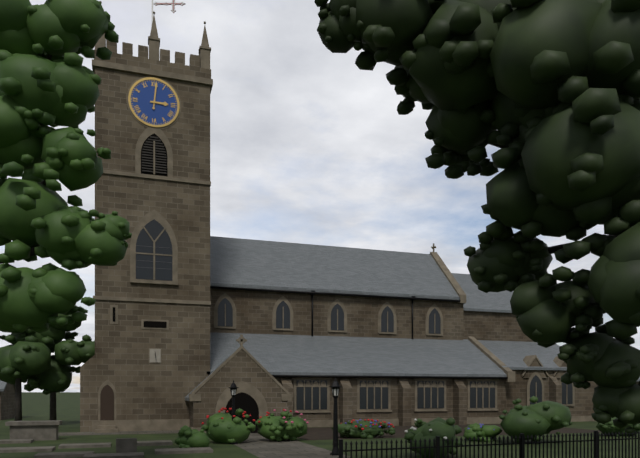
3:01
